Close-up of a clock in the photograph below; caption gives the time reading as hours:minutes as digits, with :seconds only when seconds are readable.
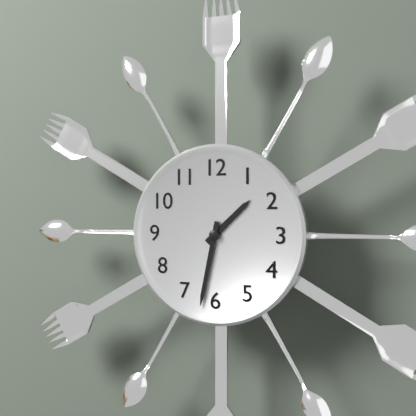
1:32
